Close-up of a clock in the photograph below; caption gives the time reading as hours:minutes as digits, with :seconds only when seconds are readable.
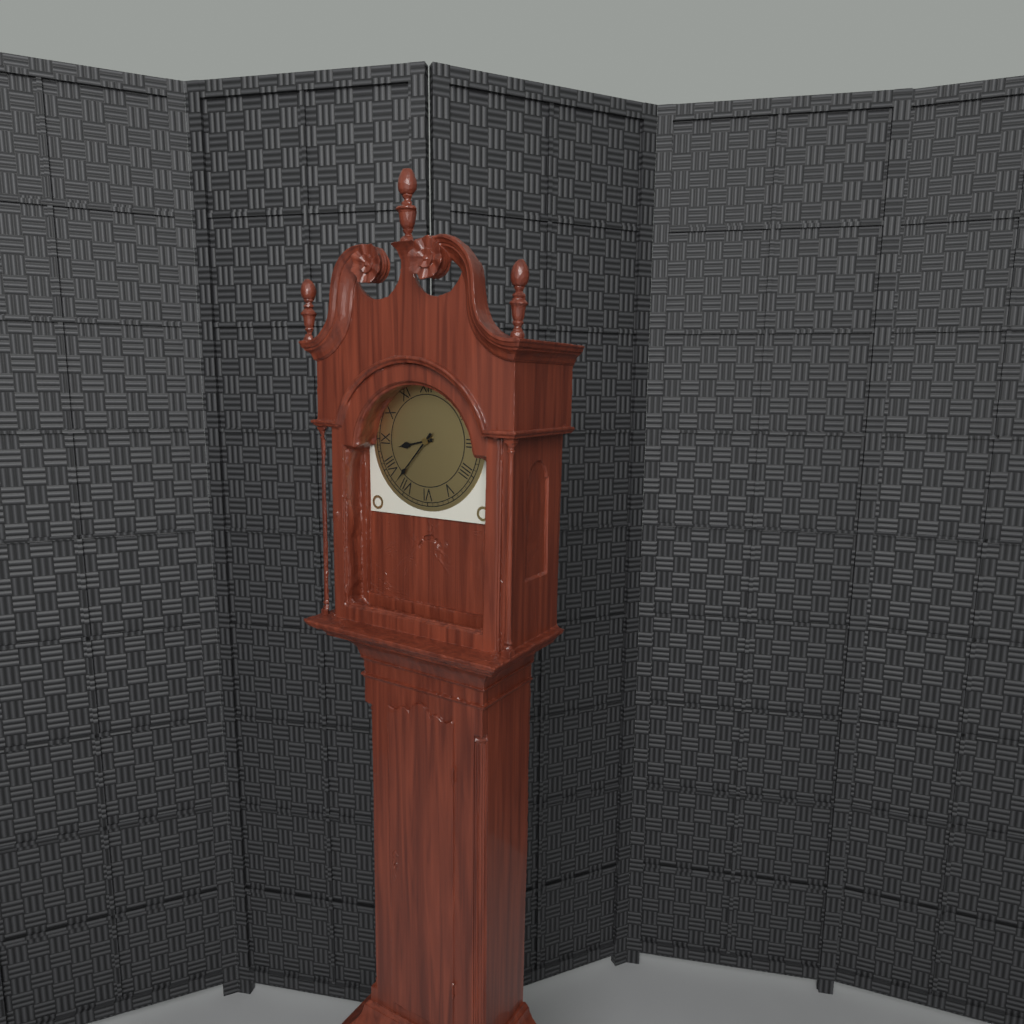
8:37
